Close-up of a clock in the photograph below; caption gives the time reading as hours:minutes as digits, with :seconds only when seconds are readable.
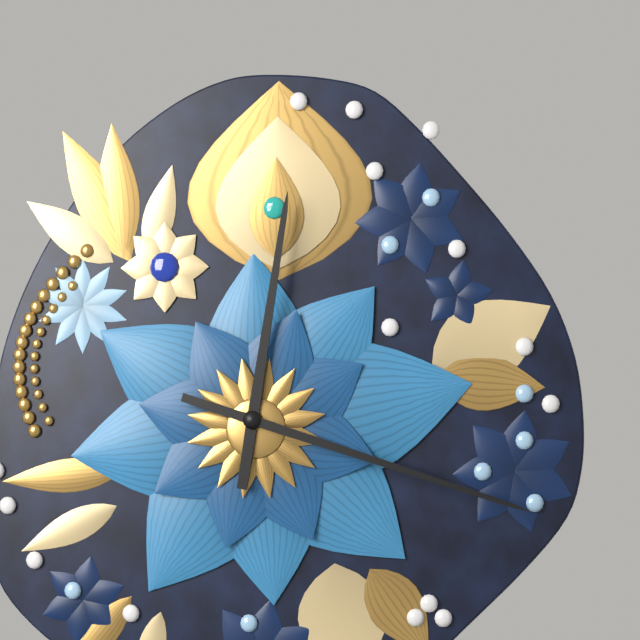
12:18
